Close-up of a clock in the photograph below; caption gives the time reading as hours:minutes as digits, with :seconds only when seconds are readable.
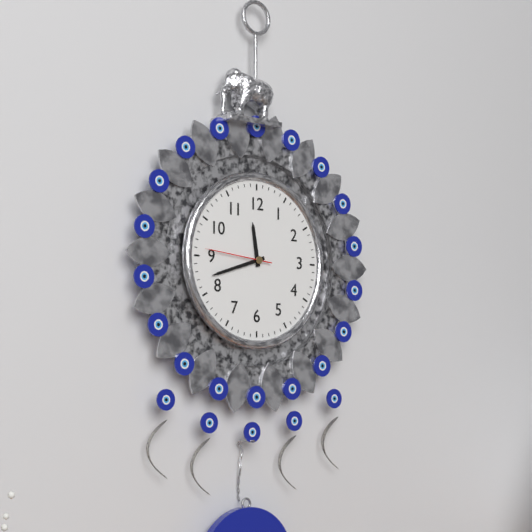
11:42:46
